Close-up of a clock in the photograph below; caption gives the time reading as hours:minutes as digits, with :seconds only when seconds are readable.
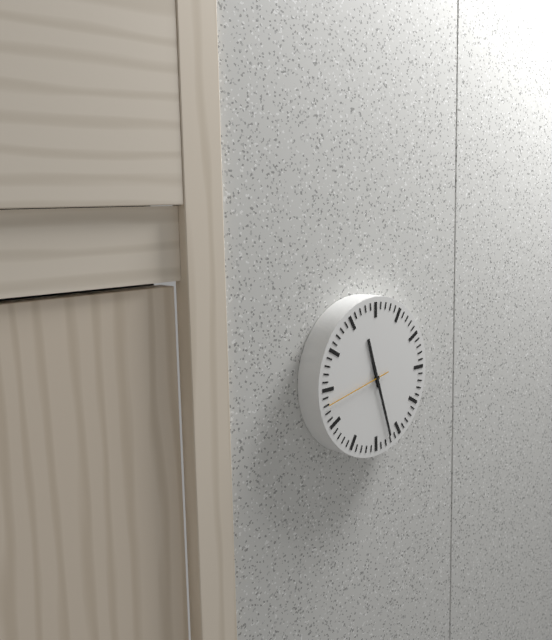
11:27:43
